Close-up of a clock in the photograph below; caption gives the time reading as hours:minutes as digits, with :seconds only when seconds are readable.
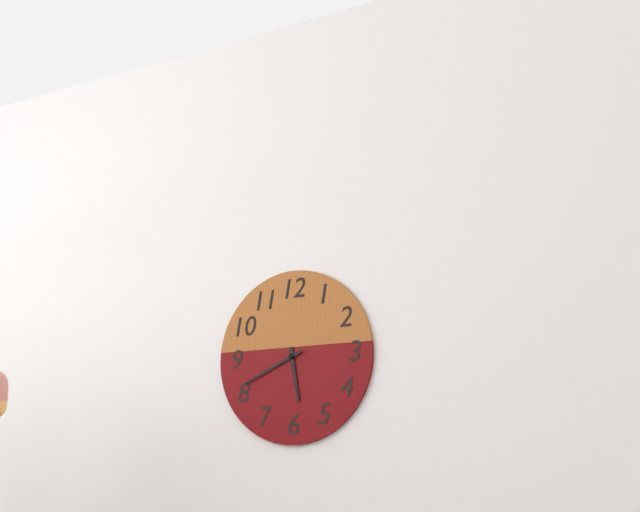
5:41
